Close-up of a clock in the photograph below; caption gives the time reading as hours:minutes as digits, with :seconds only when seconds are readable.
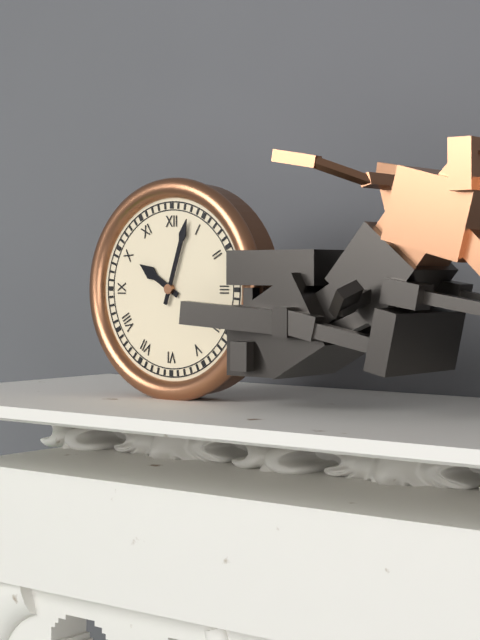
10:03
